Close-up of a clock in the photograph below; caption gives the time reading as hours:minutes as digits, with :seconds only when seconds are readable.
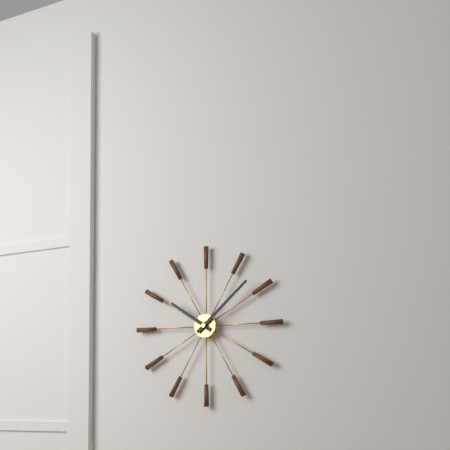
10:08
